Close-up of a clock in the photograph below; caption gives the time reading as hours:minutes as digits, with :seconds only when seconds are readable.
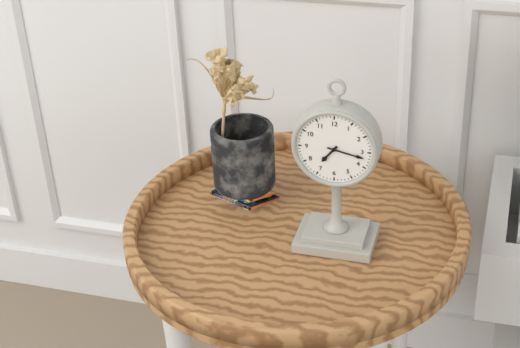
7:17
